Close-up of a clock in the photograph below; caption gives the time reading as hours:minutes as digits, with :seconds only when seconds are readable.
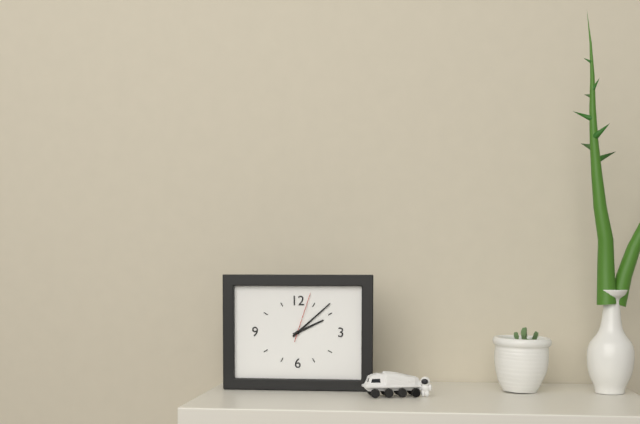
2:08:03
